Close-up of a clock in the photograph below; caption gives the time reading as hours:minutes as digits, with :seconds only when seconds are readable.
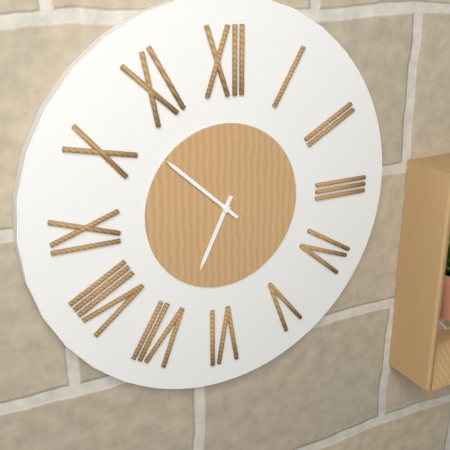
6:52
